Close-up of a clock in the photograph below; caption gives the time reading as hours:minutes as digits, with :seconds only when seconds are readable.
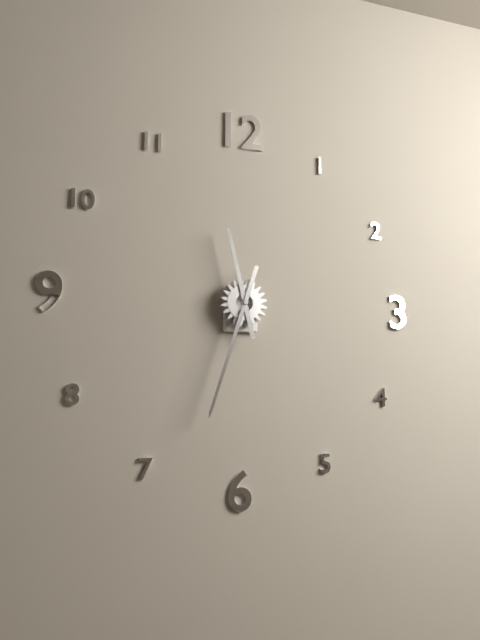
11:33
